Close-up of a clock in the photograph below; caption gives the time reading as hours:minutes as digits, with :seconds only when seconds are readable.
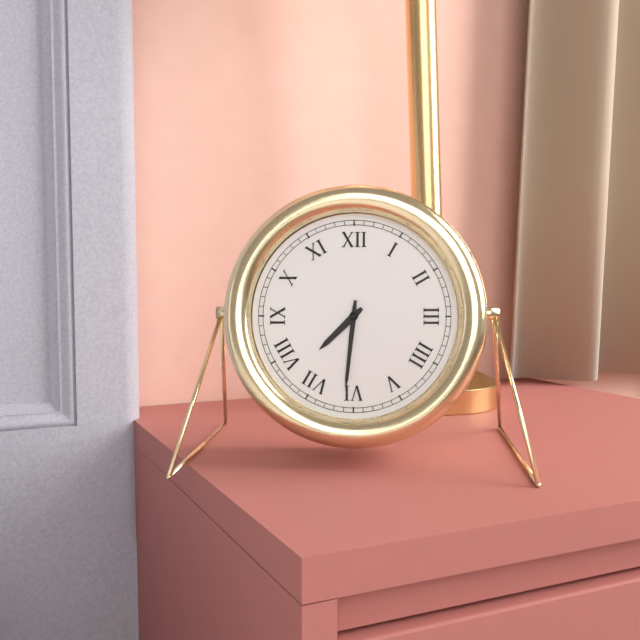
7:31
